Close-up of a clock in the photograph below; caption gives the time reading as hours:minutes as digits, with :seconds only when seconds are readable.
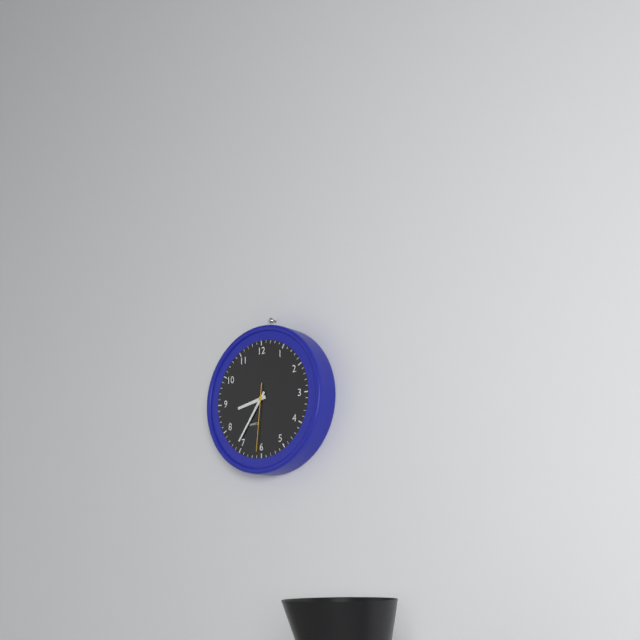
8:36:31
